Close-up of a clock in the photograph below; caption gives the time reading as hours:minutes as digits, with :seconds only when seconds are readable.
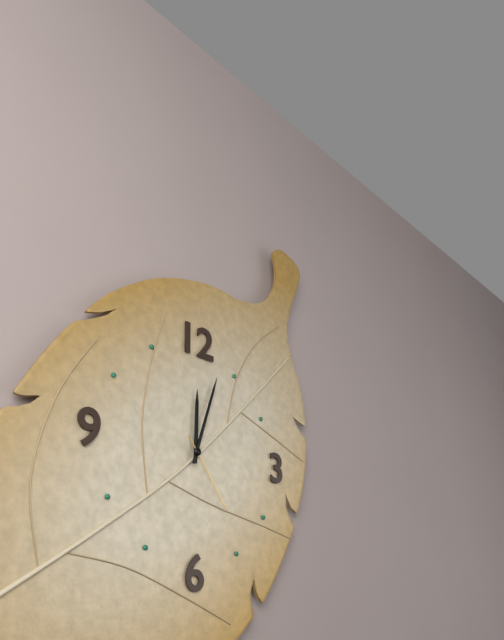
12:03:24
